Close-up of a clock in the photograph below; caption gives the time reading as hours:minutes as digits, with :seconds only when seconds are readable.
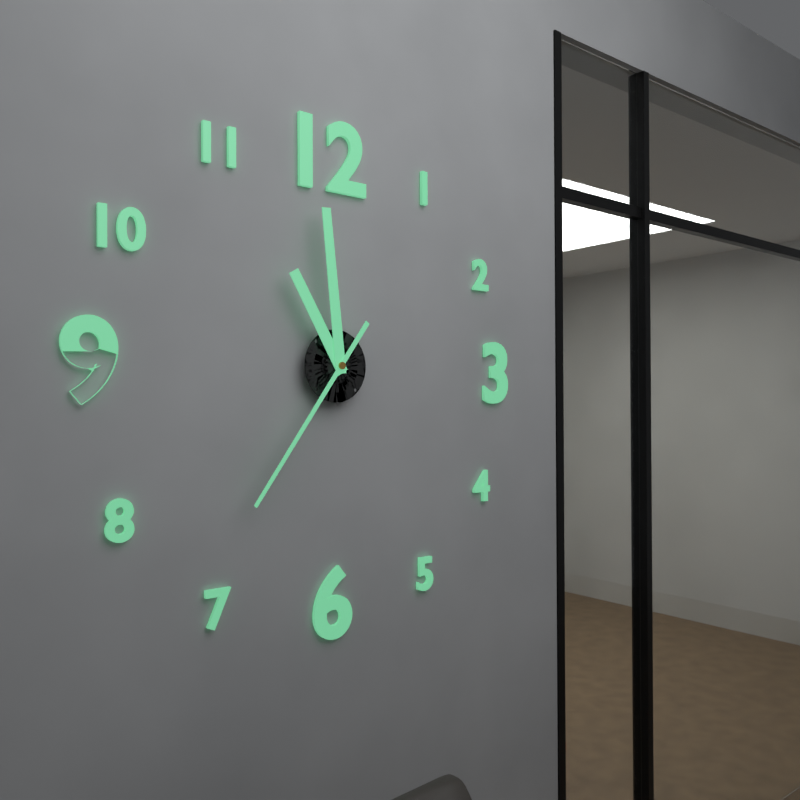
10:59:36
